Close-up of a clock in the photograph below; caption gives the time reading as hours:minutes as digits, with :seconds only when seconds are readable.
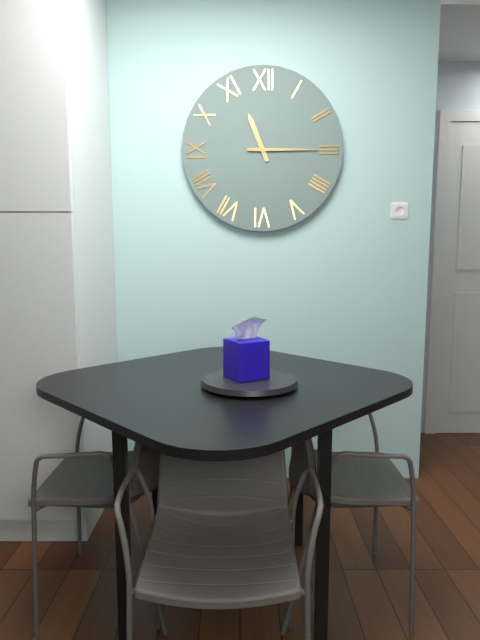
11:15
